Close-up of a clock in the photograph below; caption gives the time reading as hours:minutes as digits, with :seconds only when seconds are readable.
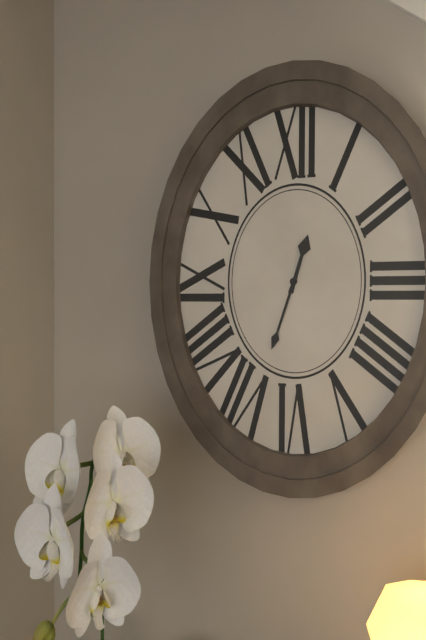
12:33
